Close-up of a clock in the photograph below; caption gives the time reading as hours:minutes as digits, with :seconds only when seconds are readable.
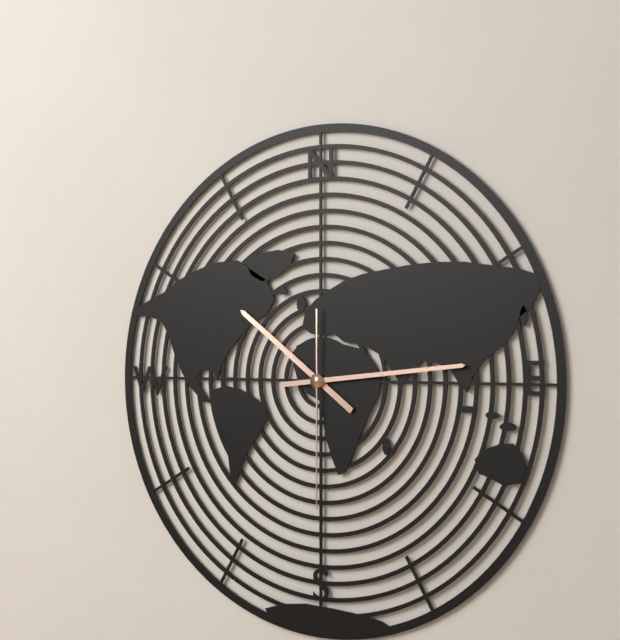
10:14:30
